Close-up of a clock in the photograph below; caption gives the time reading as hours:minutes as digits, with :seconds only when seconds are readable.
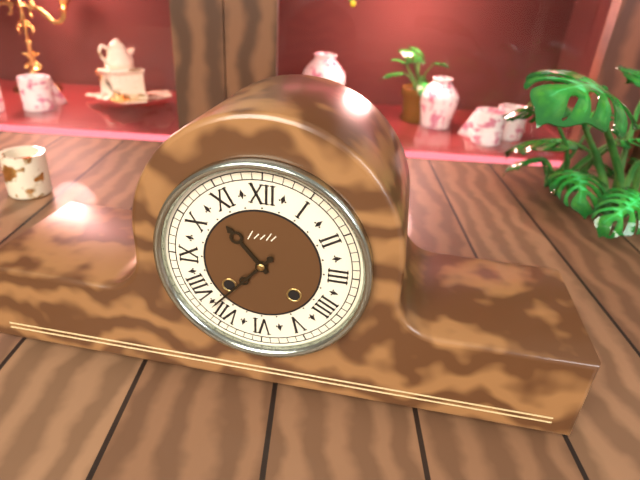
10:37
